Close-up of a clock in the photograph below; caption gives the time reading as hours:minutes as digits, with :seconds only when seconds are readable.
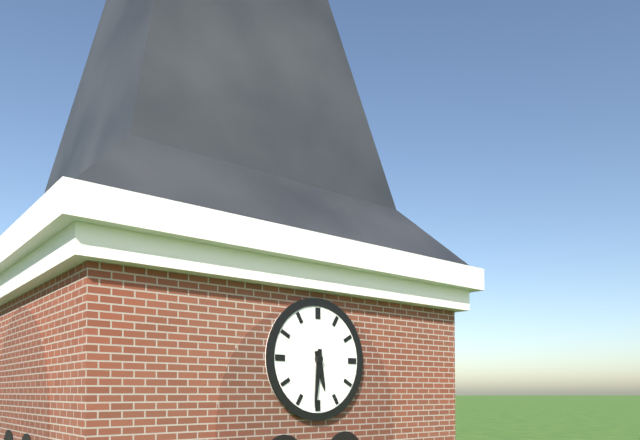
5:31
